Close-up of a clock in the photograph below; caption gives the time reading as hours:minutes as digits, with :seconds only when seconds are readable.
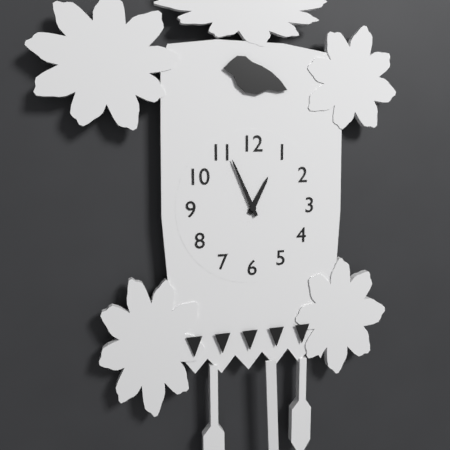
12:56
